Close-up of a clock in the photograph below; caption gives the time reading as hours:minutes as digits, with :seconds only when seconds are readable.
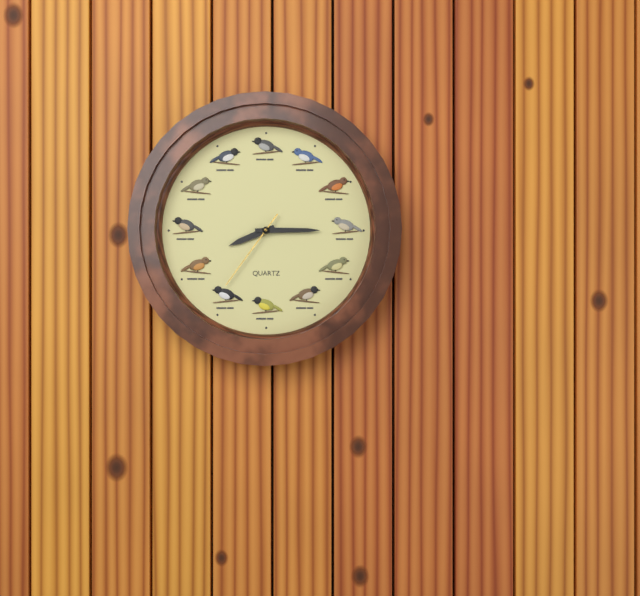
8:15:36
